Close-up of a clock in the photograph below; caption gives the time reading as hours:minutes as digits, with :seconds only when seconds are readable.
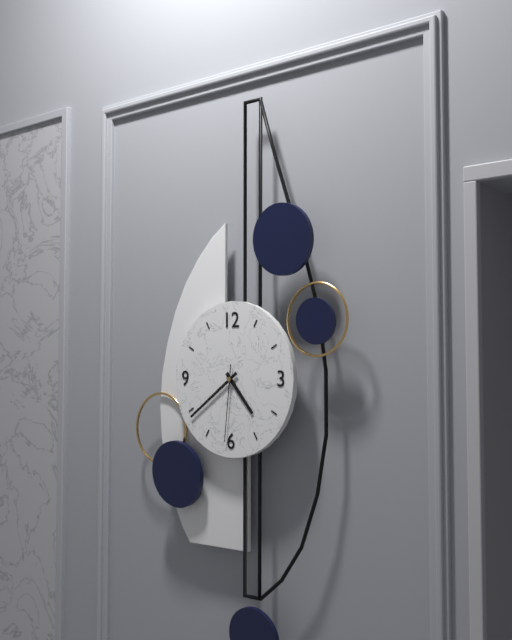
4:39:31
